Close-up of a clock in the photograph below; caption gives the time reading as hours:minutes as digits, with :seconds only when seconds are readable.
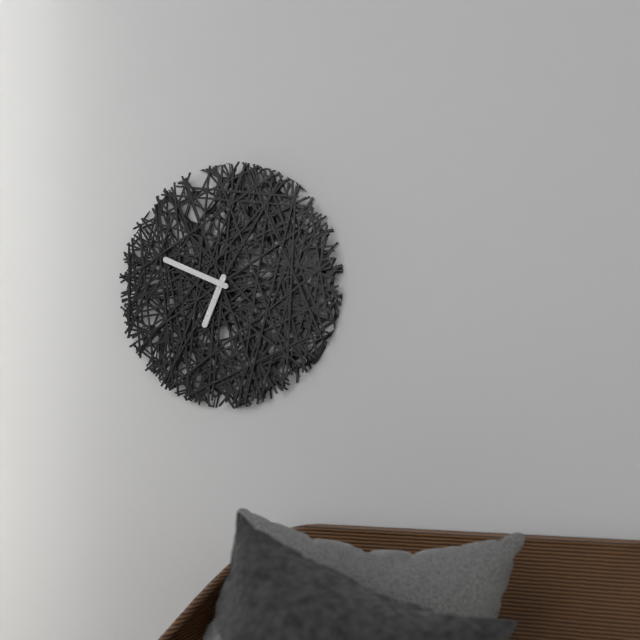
6:49
